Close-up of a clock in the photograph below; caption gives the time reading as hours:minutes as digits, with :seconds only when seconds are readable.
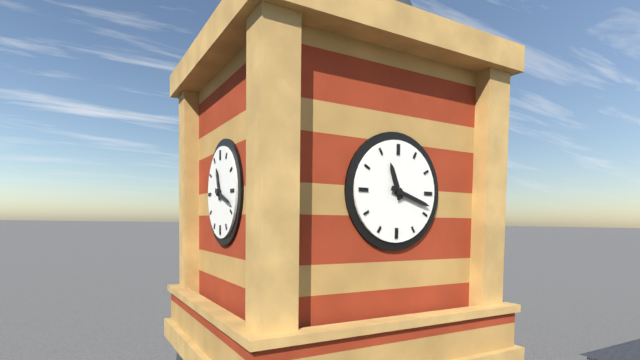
11:18
